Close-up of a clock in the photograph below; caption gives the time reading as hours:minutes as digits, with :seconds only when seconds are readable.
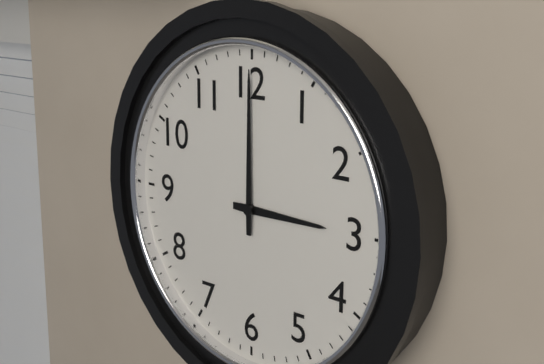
3:00
